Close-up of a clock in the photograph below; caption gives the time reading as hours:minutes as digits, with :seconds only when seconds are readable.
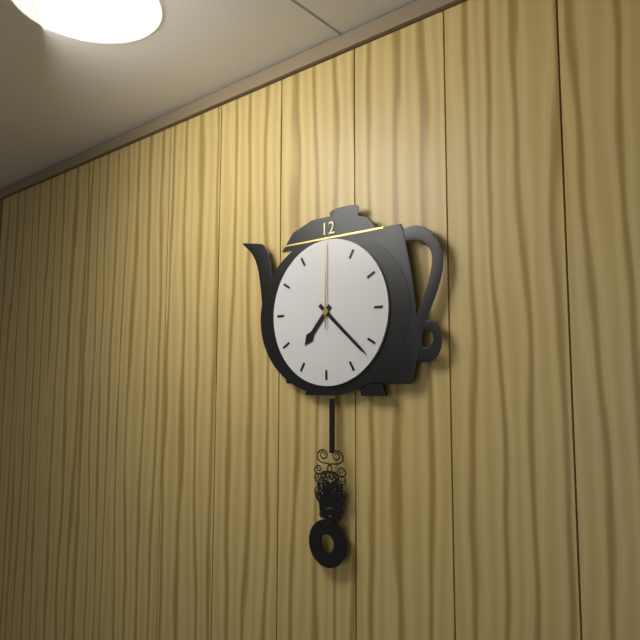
7:22:00
